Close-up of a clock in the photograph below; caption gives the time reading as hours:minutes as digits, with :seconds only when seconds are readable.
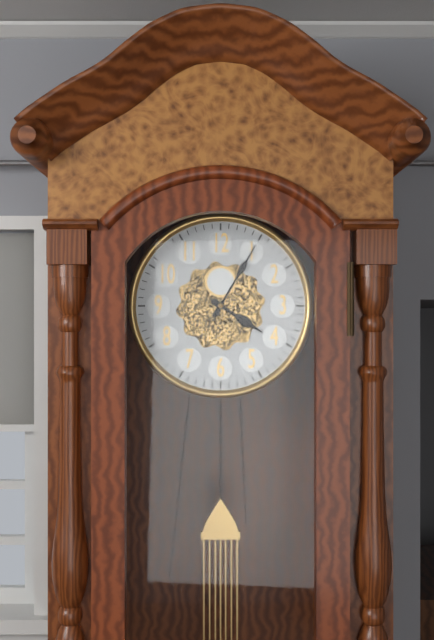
4:05
